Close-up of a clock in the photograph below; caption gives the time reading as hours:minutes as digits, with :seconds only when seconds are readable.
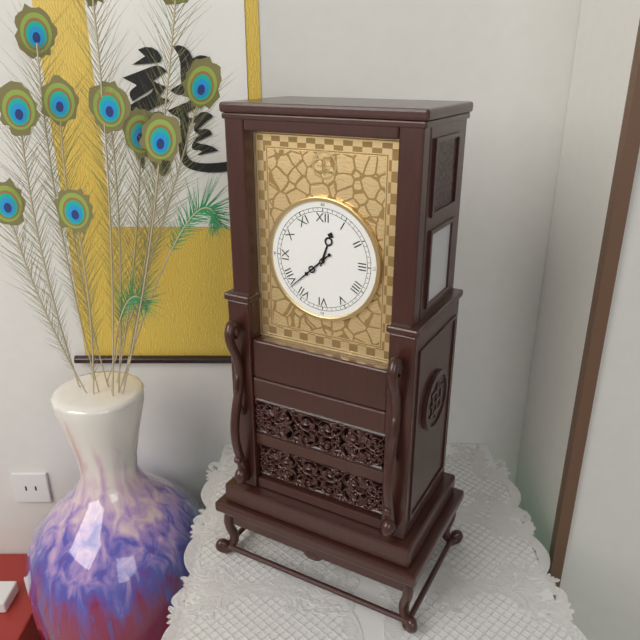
12:38
